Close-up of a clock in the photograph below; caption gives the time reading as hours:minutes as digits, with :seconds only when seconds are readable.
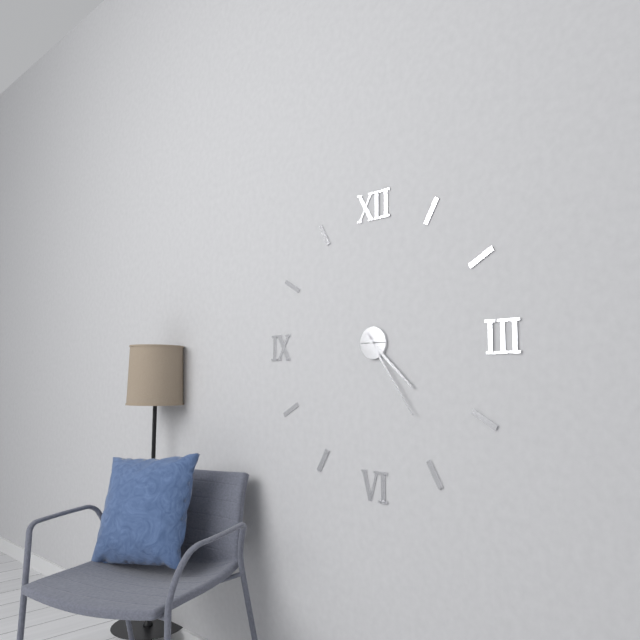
4:24
